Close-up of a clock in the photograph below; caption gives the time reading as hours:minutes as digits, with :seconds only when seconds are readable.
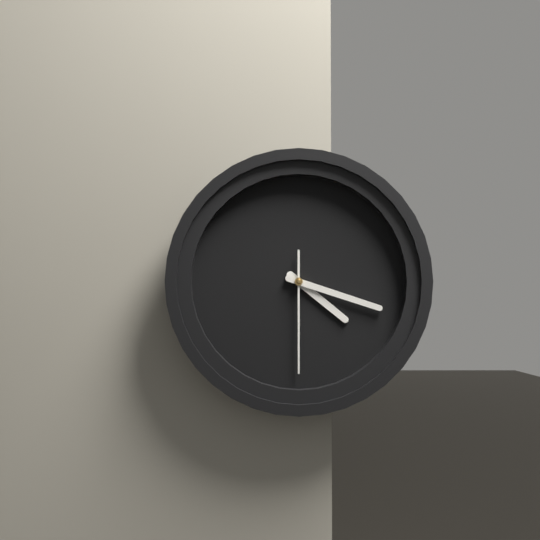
4:18:30
